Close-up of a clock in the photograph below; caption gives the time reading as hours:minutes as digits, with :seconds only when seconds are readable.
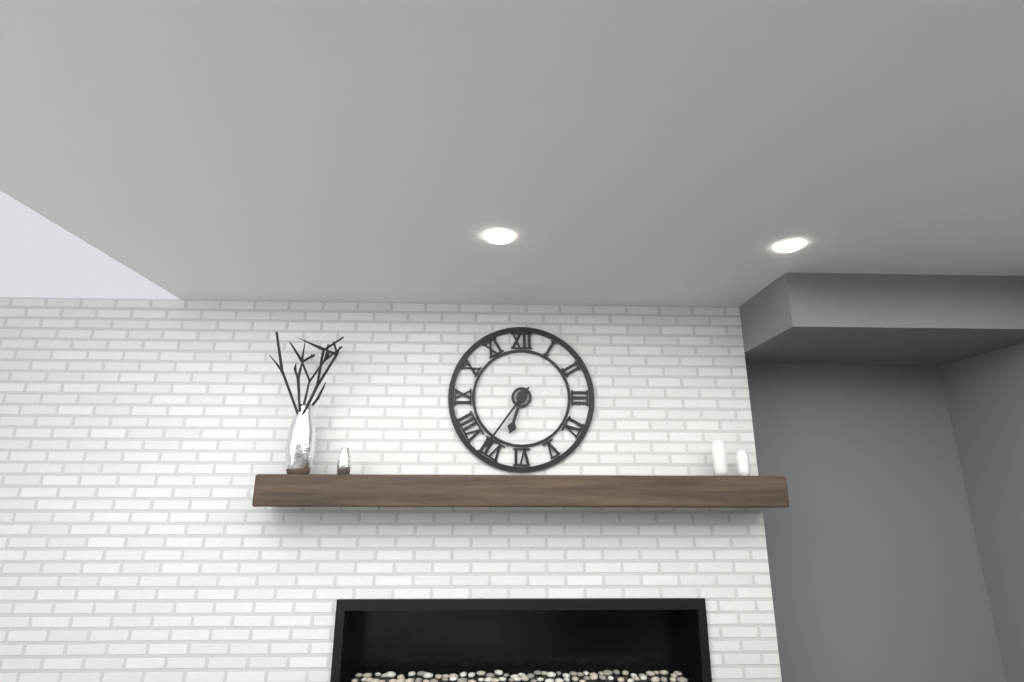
6:36
